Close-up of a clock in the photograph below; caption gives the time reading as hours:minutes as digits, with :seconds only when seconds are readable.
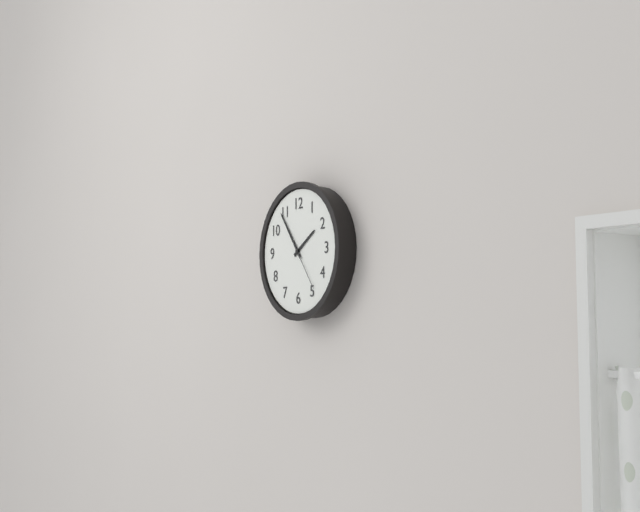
1:54:24
